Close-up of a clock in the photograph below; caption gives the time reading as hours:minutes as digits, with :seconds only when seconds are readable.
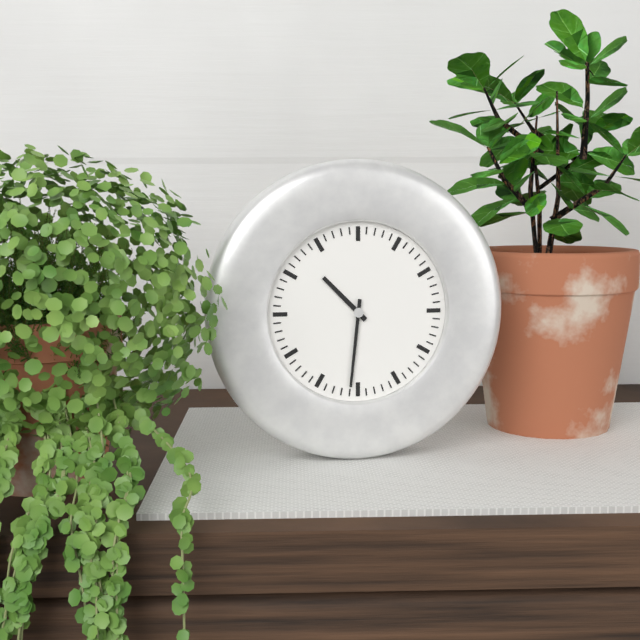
10:31
